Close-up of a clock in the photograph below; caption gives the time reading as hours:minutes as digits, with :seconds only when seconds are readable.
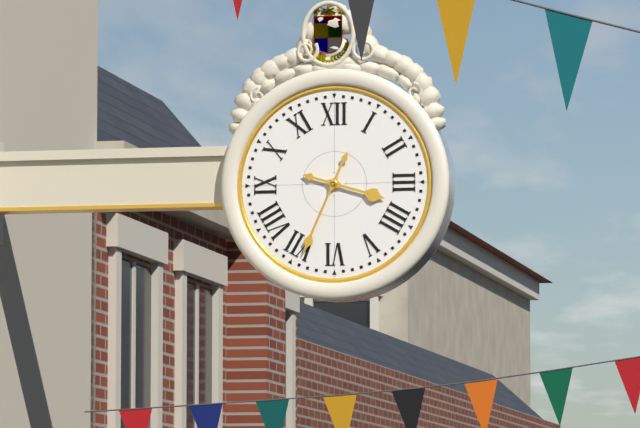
3:34
